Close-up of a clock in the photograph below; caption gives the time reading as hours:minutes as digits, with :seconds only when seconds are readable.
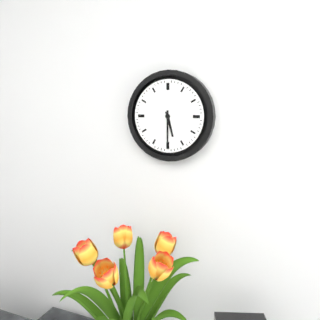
5:30
